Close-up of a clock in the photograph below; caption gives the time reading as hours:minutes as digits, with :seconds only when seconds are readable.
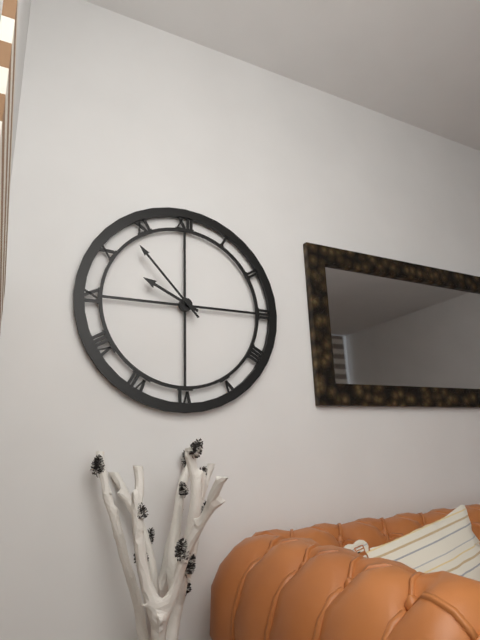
9:53
